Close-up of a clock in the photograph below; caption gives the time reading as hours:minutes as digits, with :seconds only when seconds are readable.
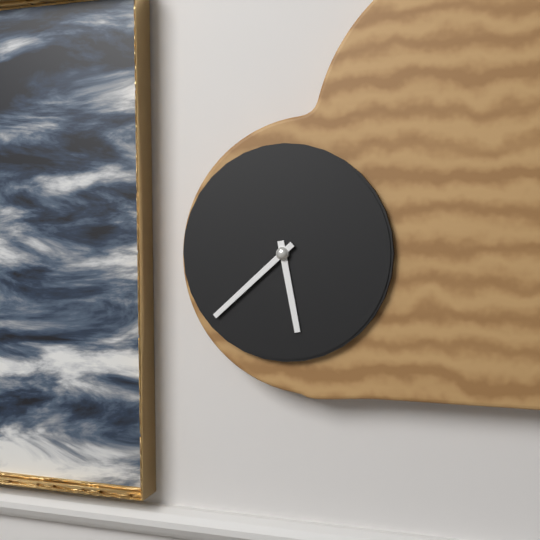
5:38
